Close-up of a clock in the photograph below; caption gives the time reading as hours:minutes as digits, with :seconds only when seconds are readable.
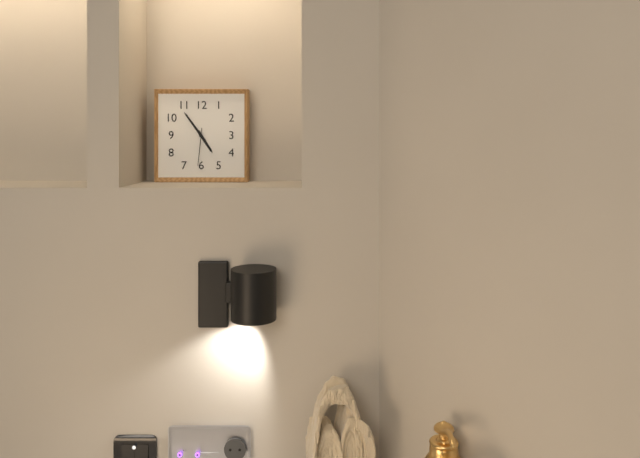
4:54
